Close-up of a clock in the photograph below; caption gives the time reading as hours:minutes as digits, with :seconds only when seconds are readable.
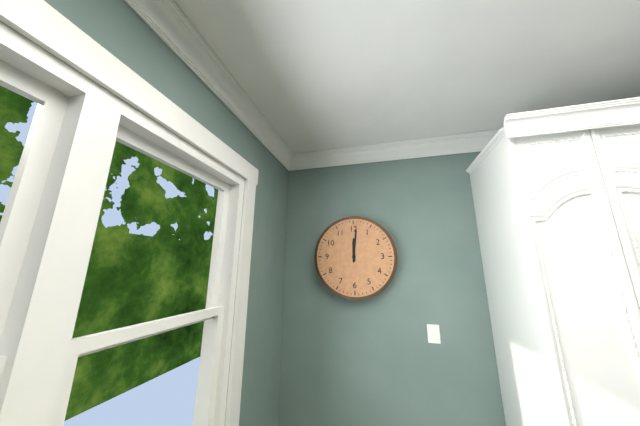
12:01
